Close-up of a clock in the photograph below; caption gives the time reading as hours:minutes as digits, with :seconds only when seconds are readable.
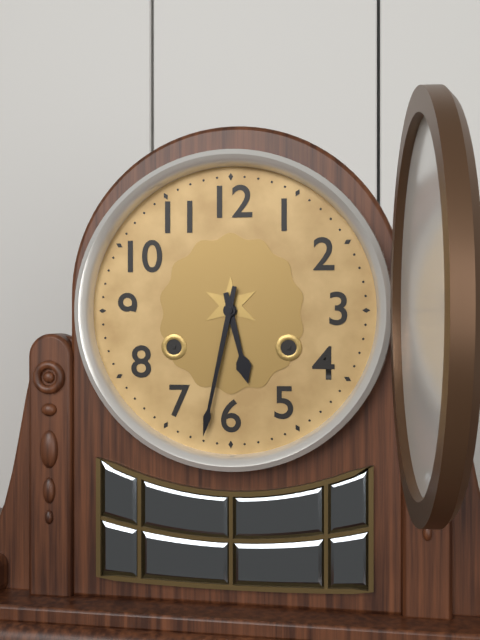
5:32
